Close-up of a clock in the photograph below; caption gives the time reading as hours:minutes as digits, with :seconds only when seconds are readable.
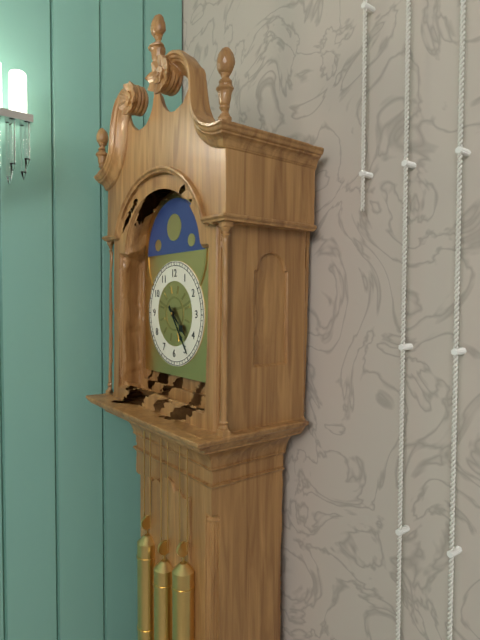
4:24
